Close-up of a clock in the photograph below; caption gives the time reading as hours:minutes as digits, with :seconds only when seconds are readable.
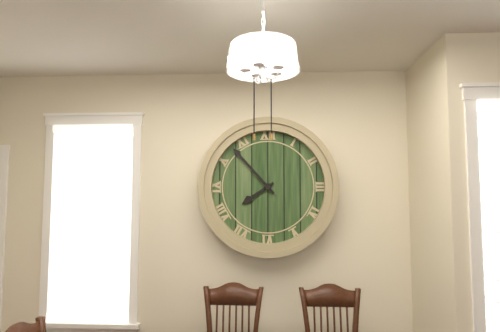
7:53
